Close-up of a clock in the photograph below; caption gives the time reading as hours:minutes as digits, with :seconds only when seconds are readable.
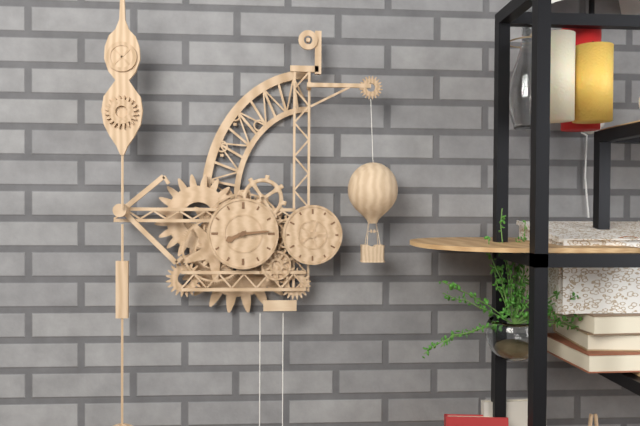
8:14
